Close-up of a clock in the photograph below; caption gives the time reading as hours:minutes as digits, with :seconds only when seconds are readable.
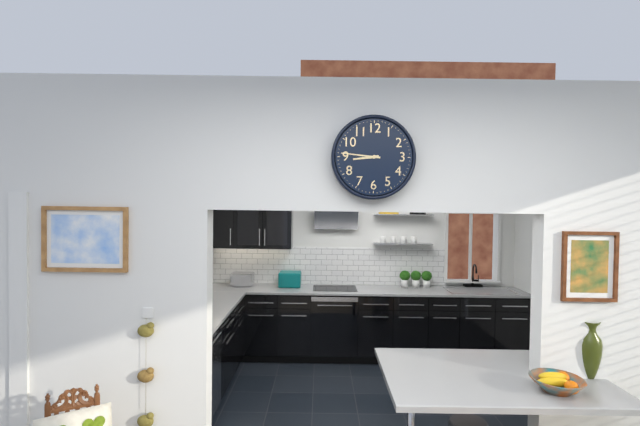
8:46
